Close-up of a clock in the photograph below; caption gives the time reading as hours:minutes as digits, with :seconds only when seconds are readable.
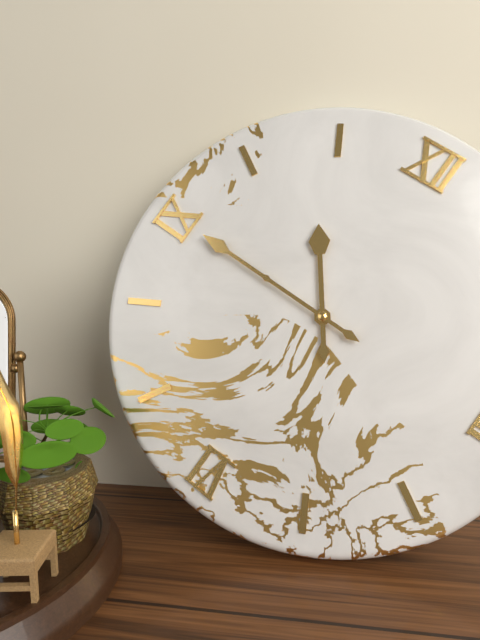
10:45
